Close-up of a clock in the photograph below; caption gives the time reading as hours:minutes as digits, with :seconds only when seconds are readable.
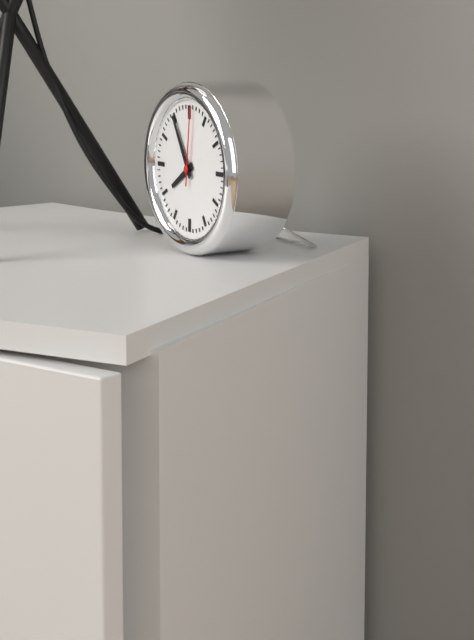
7:55:01
